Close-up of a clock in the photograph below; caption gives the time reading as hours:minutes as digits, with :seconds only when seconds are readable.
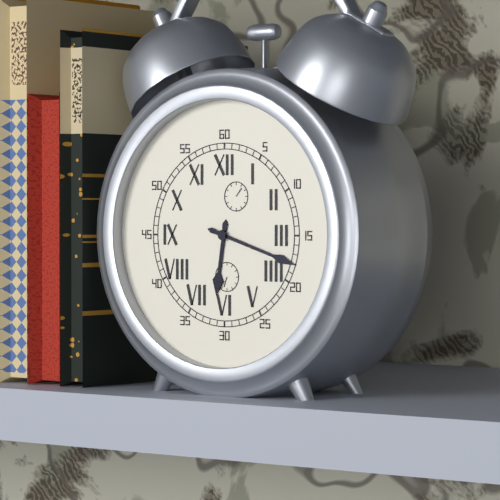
6:18
